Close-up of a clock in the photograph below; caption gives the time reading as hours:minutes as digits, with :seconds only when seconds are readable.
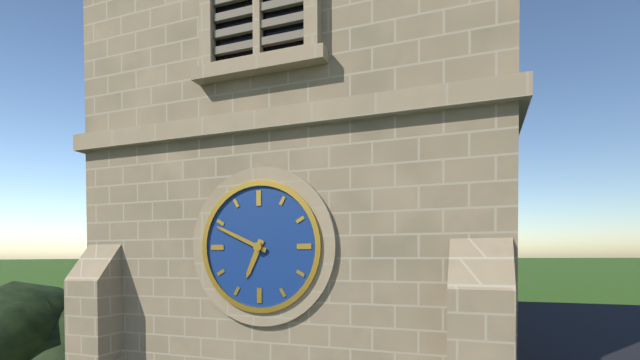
6:49
